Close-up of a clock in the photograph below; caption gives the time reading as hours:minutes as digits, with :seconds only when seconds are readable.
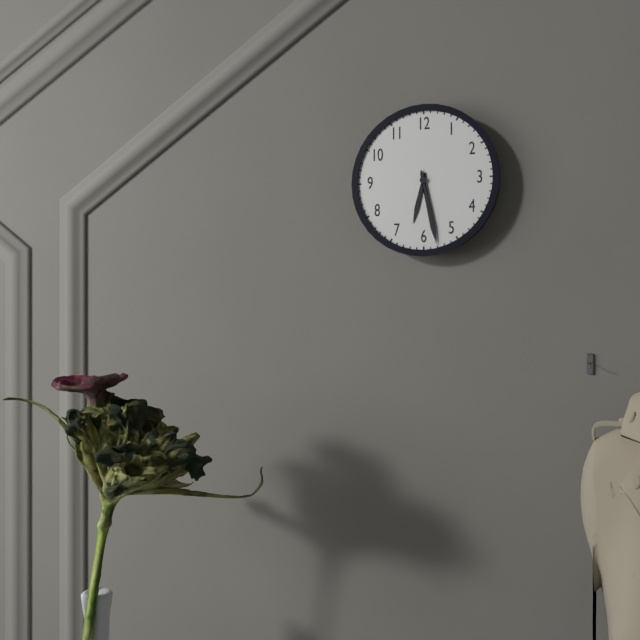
6:28
